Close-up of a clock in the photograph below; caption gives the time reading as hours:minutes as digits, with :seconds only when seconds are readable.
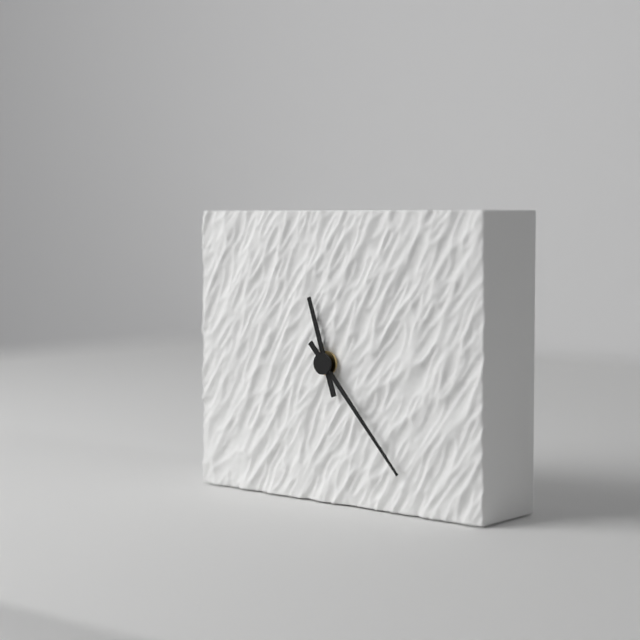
11:23
